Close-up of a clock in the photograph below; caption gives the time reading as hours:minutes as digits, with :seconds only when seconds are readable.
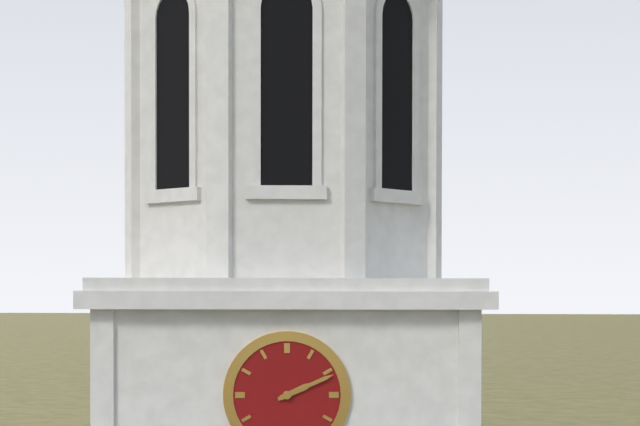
2:11
